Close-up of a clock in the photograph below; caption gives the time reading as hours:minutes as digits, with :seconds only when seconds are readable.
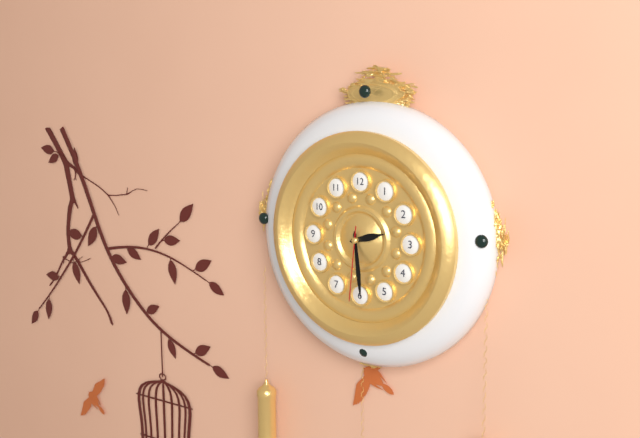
2:29:31
